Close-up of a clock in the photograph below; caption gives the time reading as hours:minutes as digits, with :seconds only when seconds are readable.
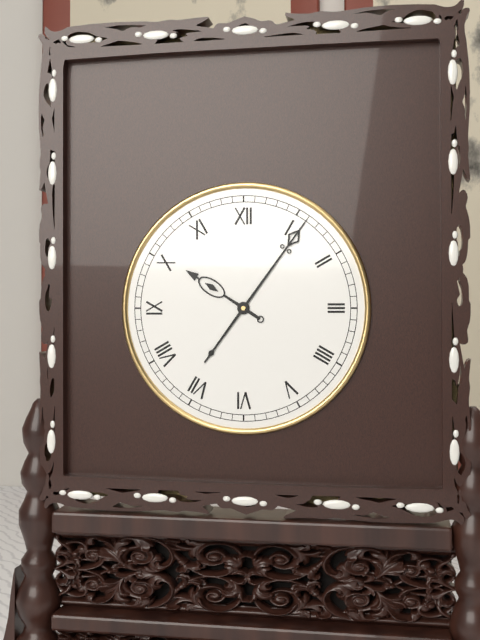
10:06
